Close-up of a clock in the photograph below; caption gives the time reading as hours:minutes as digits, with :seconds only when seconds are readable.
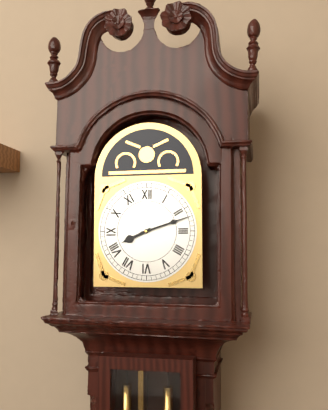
8:12
